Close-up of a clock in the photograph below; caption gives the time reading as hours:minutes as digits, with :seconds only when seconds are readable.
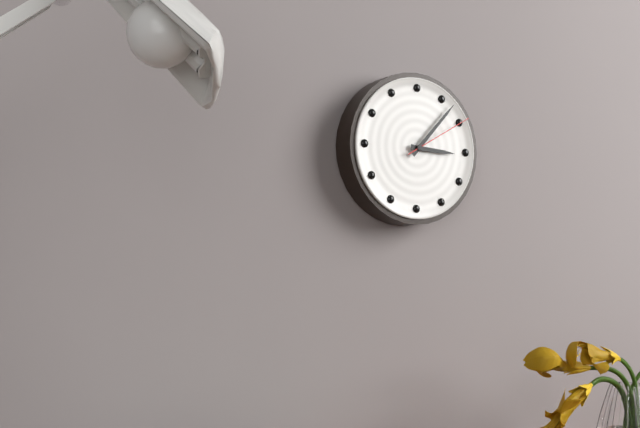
3:07:10
